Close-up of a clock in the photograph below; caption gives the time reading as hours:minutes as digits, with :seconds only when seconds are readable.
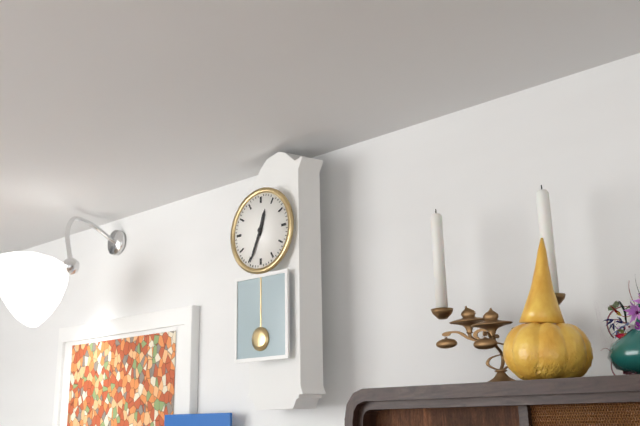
12:34
